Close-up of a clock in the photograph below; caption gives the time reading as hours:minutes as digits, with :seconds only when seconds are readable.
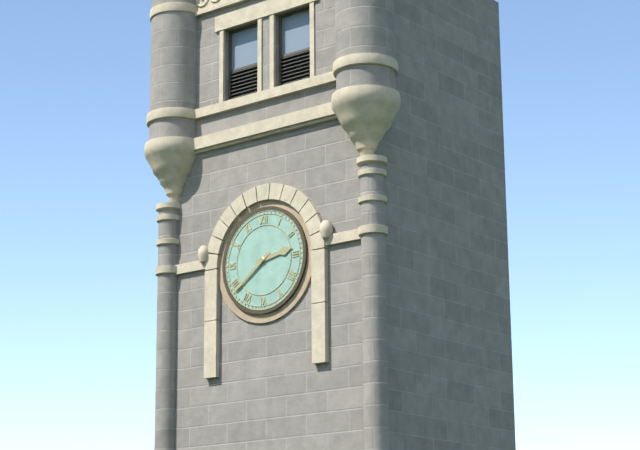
2:39
